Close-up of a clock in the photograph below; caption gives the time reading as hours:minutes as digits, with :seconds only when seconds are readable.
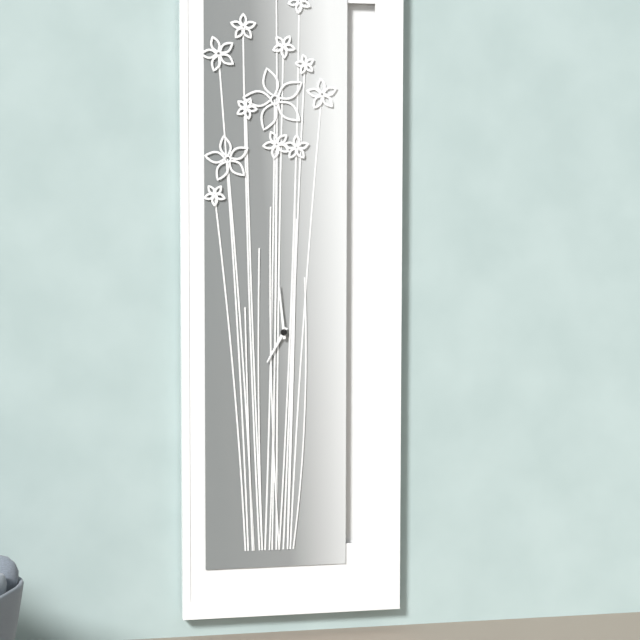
6:59
